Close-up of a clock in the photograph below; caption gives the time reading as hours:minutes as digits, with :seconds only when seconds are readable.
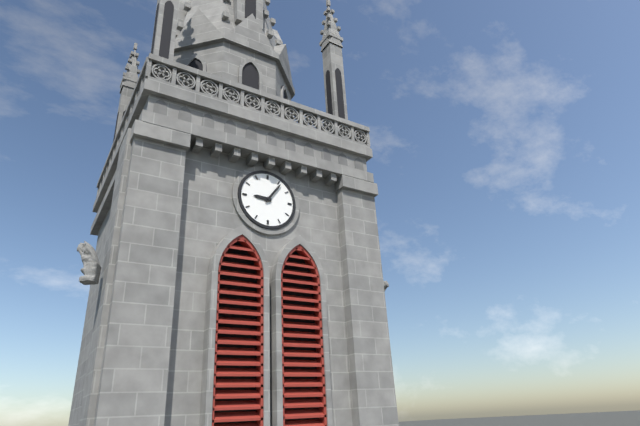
9:06
